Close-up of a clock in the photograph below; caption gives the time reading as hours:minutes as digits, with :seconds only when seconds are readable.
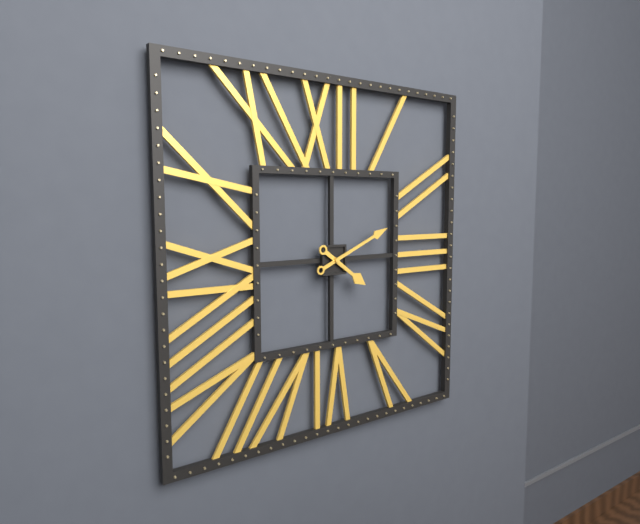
4:11
